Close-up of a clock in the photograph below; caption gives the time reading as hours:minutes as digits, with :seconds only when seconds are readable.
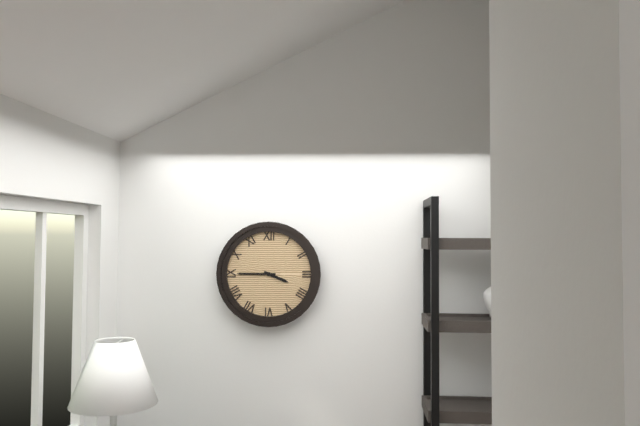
3:45
